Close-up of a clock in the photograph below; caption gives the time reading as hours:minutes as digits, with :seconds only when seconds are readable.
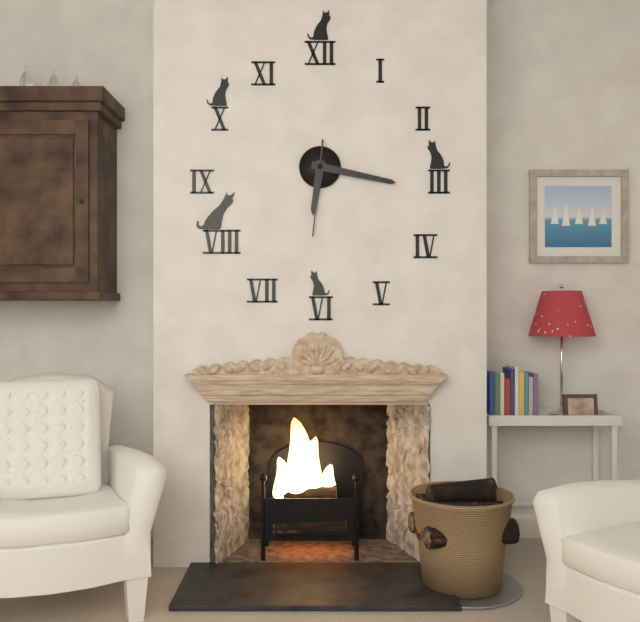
6:17:31
